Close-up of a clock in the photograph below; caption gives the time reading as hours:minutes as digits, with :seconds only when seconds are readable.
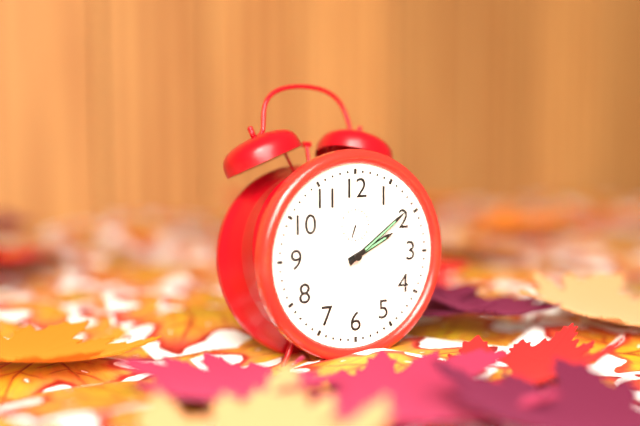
2:09
